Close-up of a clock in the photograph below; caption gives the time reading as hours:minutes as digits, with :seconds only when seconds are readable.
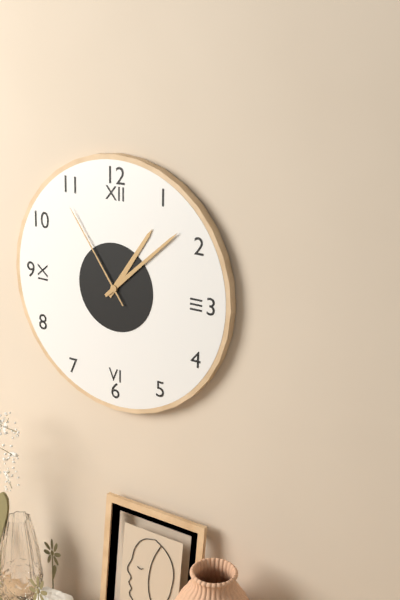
1:08:54
